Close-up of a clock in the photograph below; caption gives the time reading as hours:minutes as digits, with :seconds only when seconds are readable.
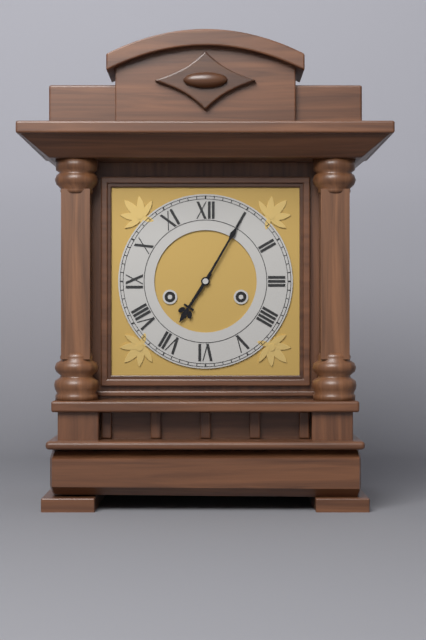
7:05
